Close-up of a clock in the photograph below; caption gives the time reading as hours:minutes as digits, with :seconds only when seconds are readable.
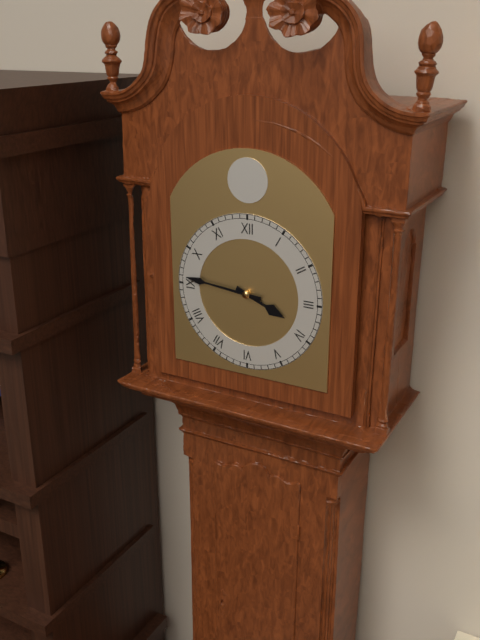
3:46
